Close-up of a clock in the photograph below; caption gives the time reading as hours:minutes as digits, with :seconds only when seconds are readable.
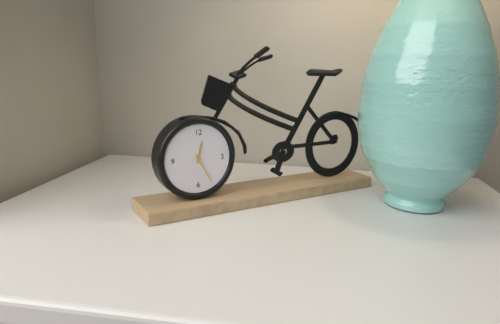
12:25
